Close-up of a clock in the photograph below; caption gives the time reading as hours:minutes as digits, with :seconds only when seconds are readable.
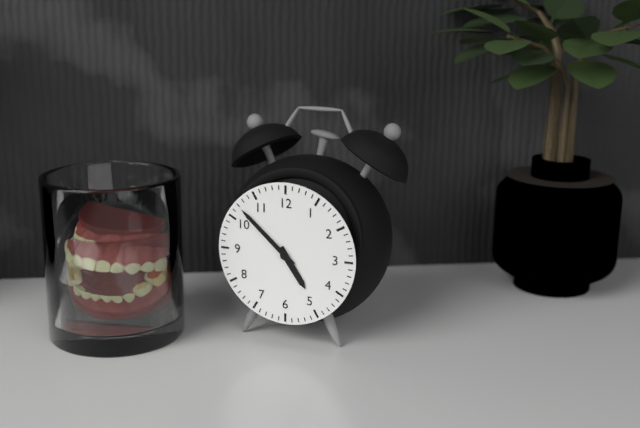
4:52
